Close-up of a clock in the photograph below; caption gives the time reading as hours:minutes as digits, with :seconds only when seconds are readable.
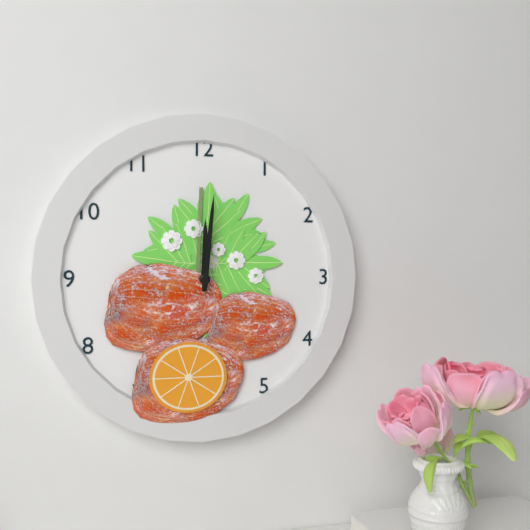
12:01
